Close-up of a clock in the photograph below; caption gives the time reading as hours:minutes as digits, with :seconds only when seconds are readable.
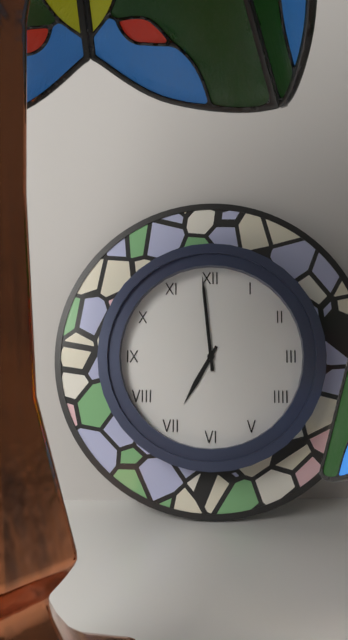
6:59
